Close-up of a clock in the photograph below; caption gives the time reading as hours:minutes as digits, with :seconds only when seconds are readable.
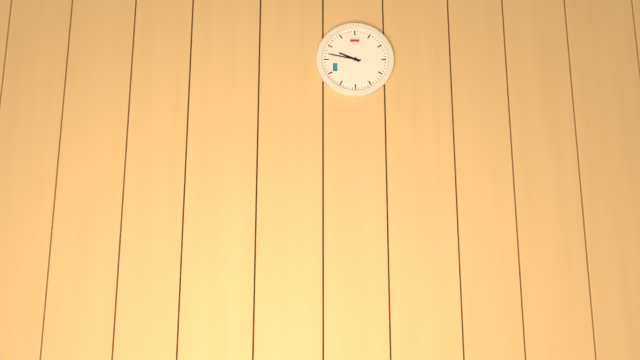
9:47
